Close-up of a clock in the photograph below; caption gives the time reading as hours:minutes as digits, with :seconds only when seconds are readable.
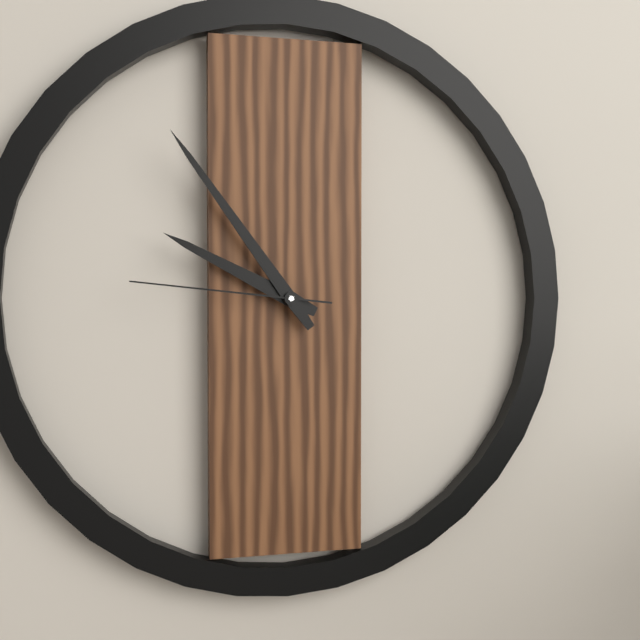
9:54:46
